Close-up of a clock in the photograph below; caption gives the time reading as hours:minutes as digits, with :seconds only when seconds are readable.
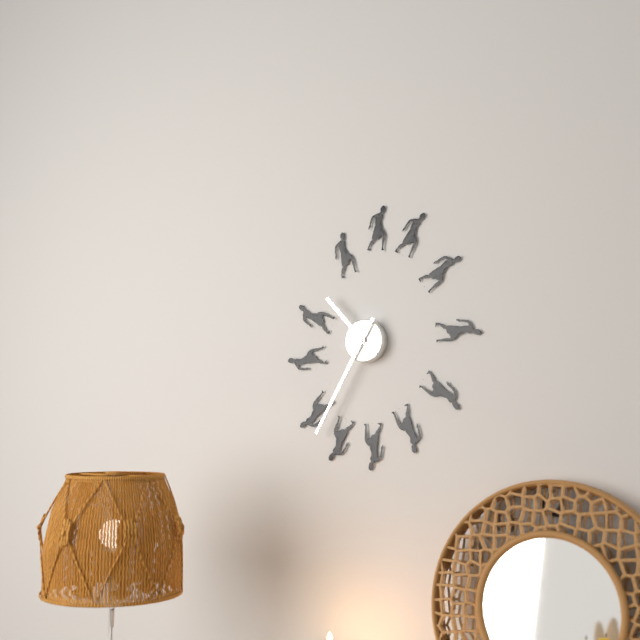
10:35
